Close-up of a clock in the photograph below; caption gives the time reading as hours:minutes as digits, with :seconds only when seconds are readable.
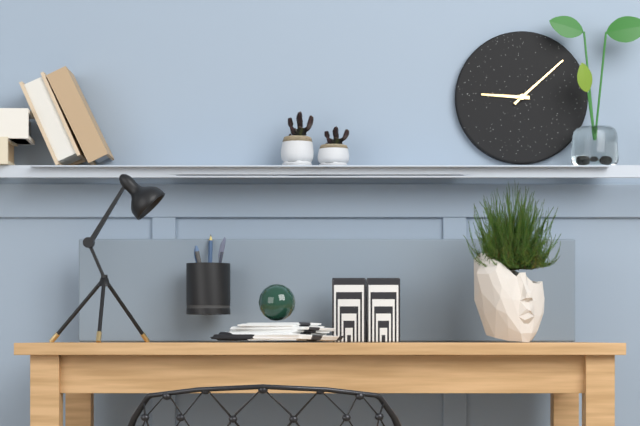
9:08
